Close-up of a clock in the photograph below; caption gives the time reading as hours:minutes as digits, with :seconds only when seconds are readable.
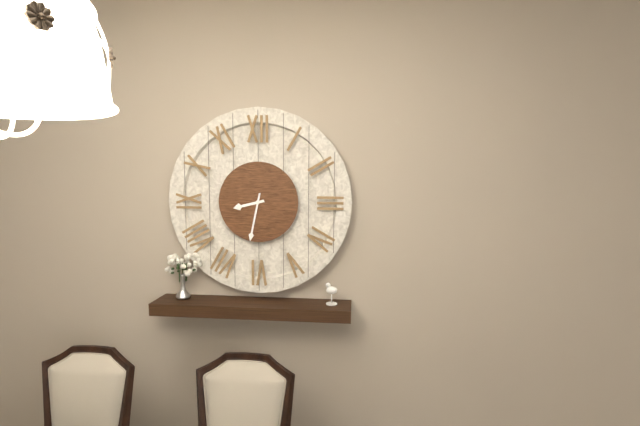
8:32
